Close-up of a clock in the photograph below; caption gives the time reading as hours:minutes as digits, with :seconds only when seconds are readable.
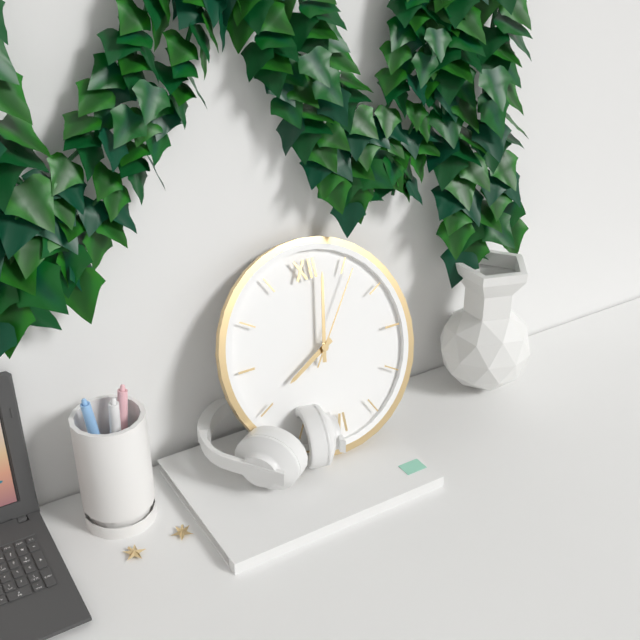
8:02:06
